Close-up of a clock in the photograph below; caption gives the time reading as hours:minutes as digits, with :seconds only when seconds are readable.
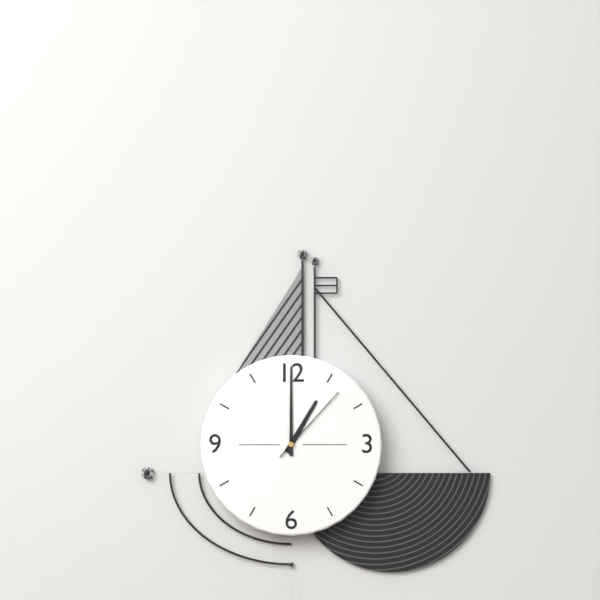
1:00:07
